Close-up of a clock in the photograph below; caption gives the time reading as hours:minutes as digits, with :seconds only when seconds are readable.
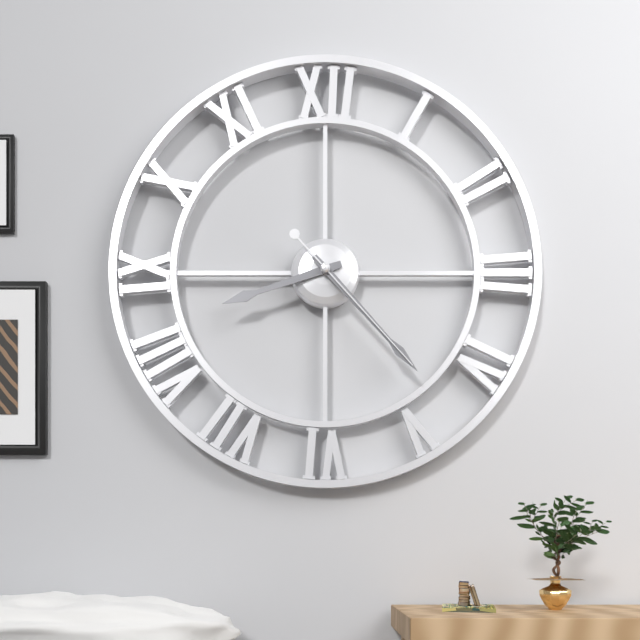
8:23:23
